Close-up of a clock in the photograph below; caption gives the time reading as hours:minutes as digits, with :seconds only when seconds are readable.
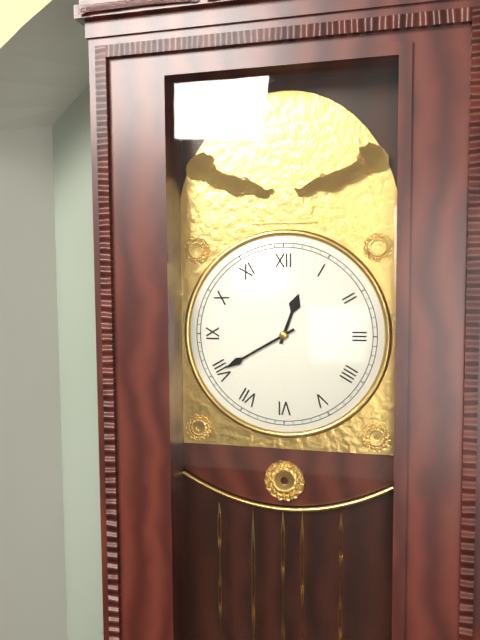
12:40
